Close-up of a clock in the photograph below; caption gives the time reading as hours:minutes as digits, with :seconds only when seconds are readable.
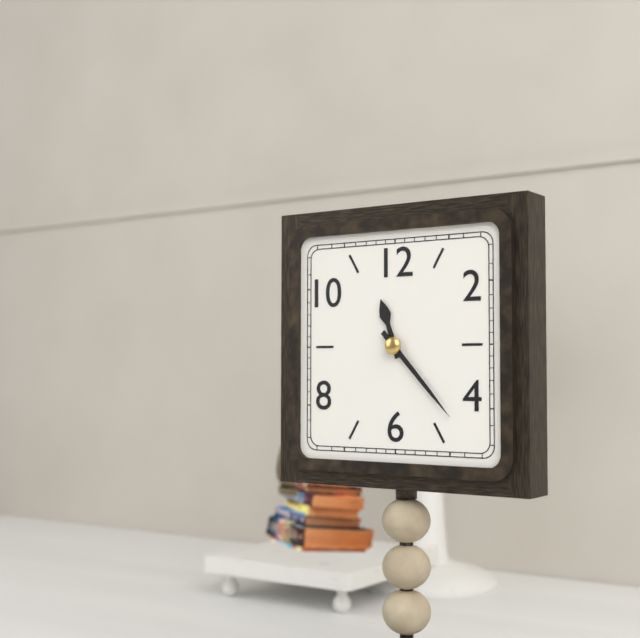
11:23
